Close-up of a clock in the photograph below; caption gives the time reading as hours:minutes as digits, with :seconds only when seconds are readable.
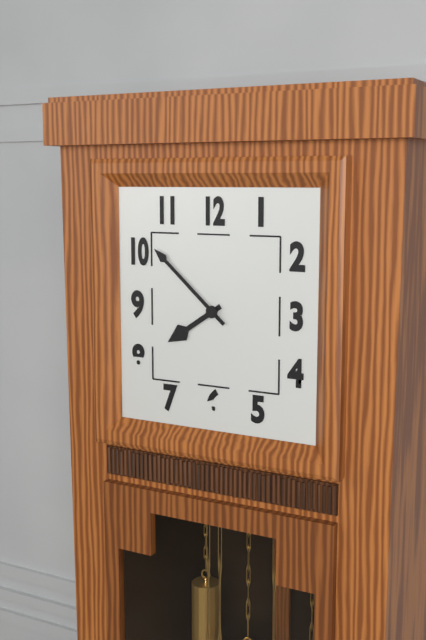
7:52
